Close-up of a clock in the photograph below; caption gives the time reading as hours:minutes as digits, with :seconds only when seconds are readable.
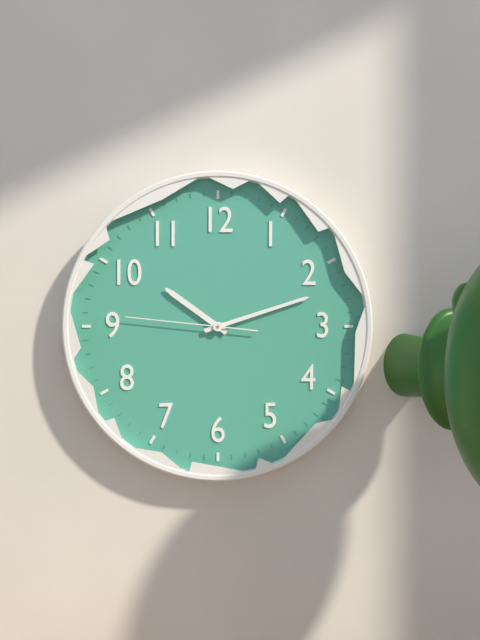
10:12:46
